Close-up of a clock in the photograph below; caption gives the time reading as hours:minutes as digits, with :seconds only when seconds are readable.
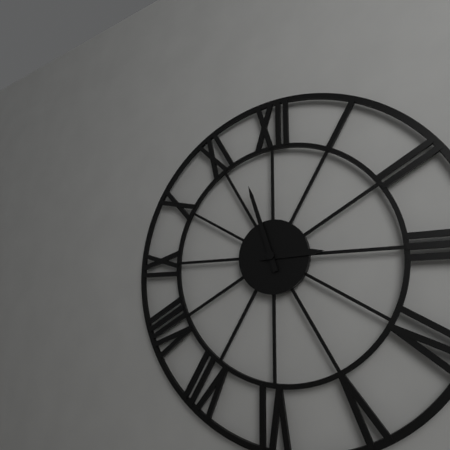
2:57
